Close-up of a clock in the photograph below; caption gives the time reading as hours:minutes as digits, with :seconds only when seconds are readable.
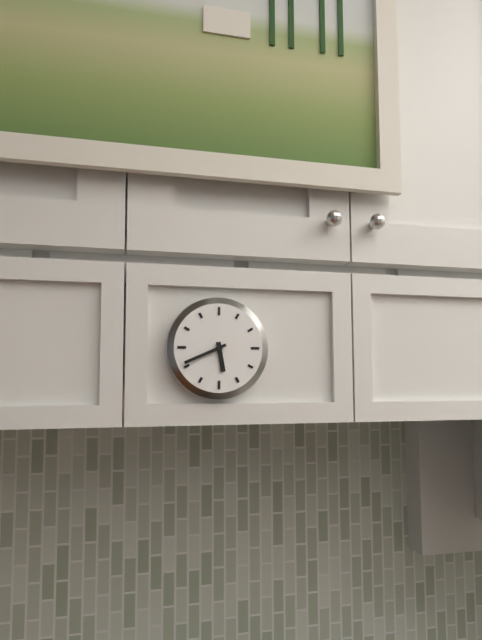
5:41
